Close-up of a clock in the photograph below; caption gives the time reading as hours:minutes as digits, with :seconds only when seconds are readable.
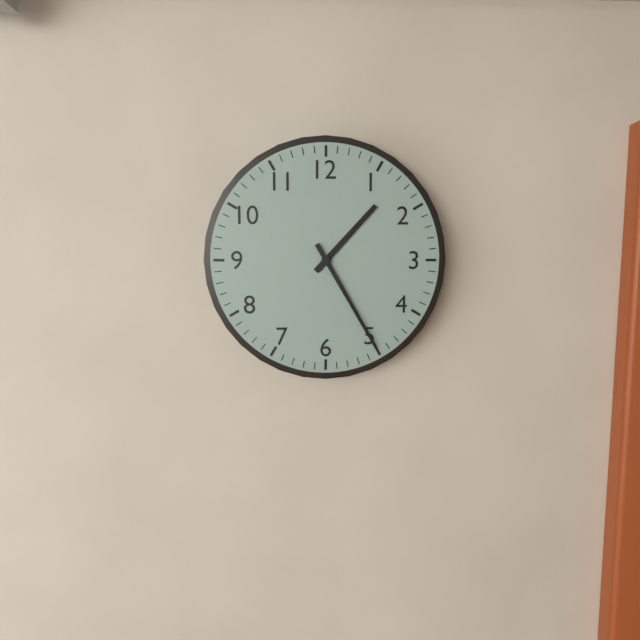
1:25
